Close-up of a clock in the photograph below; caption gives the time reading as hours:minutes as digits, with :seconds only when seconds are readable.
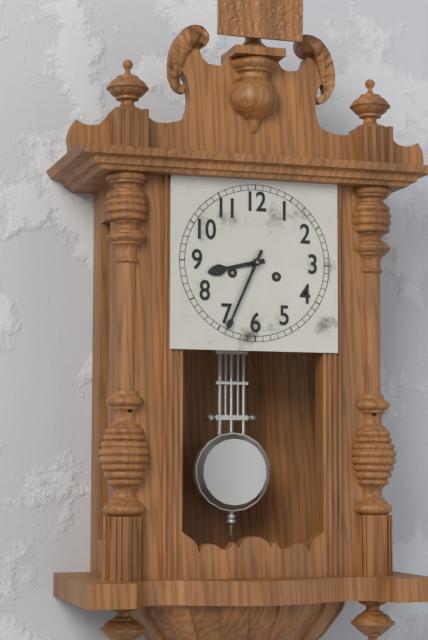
8:34
